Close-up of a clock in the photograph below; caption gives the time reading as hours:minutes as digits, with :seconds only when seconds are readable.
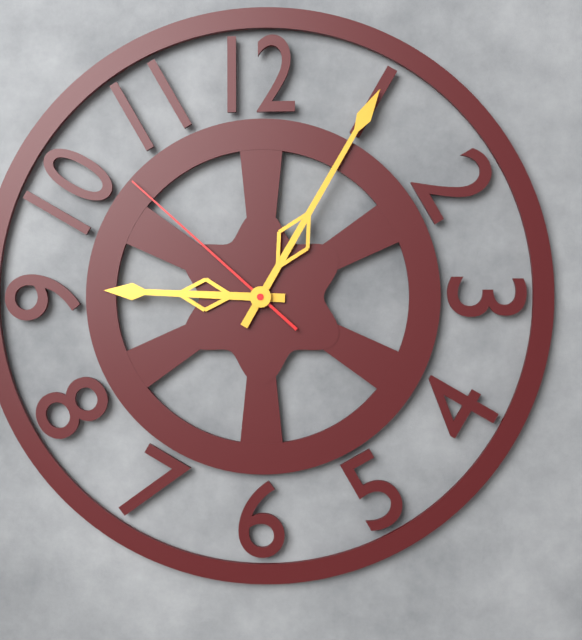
9:05:52
